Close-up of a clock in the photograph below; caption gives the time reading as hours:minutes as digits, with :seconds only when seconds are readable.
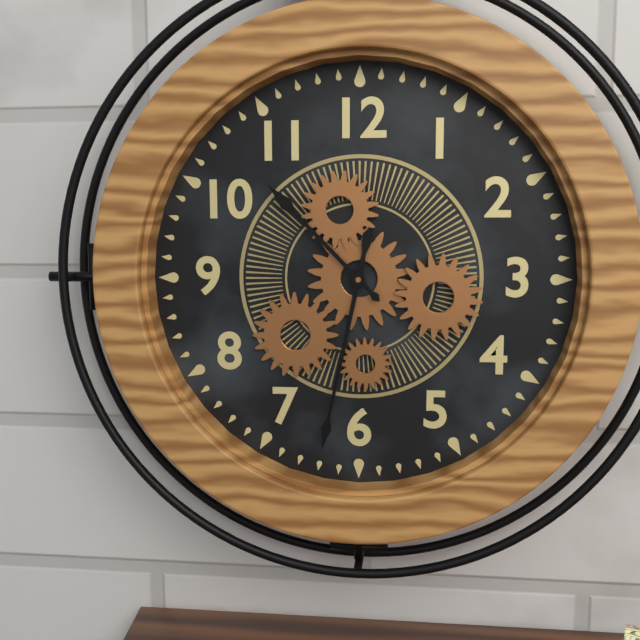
10:32
